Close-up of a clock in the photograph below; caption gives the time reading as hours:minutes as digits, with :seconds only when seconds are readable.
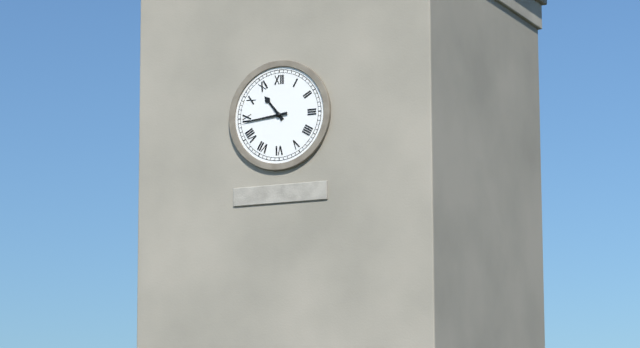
10:44
